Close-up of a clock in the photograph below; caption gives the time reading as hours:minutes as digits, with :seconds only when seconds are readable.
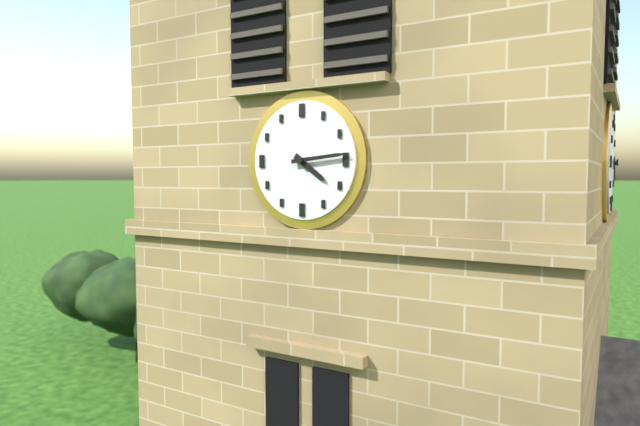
4:14
